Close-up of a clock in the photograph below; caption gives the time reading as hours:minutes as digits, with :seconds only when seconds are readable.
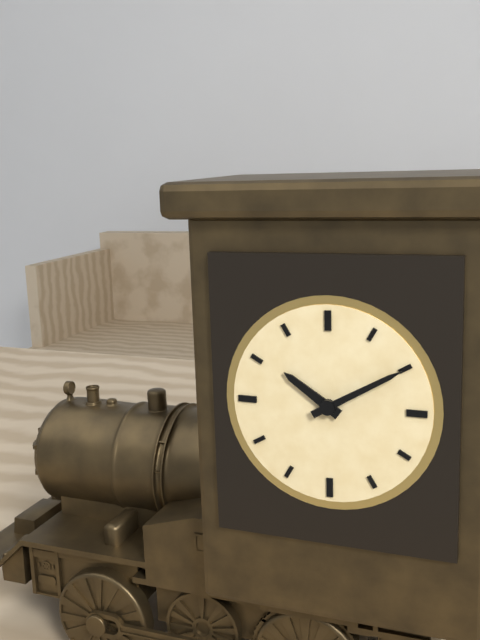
10:10
